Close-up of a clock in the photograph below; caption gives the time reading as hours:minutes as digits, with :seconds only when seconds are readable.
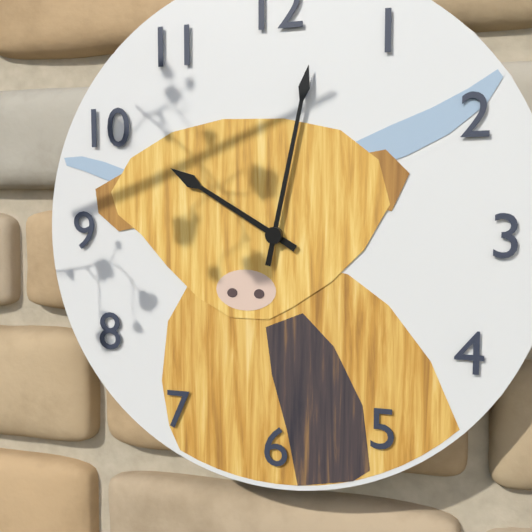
10:02
